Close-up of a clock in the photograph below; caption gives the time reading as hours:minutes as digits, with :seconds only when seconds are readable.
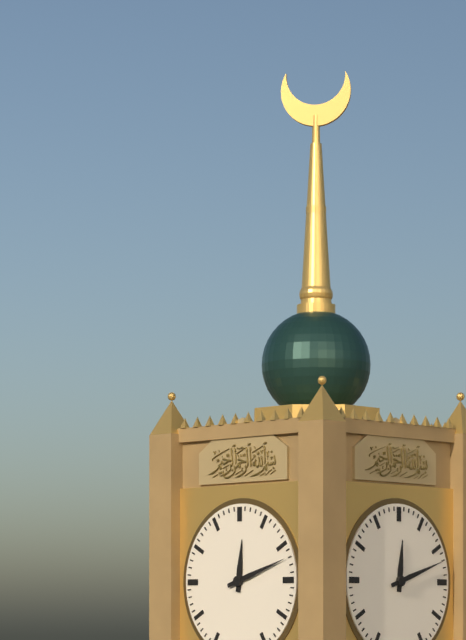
12:12
